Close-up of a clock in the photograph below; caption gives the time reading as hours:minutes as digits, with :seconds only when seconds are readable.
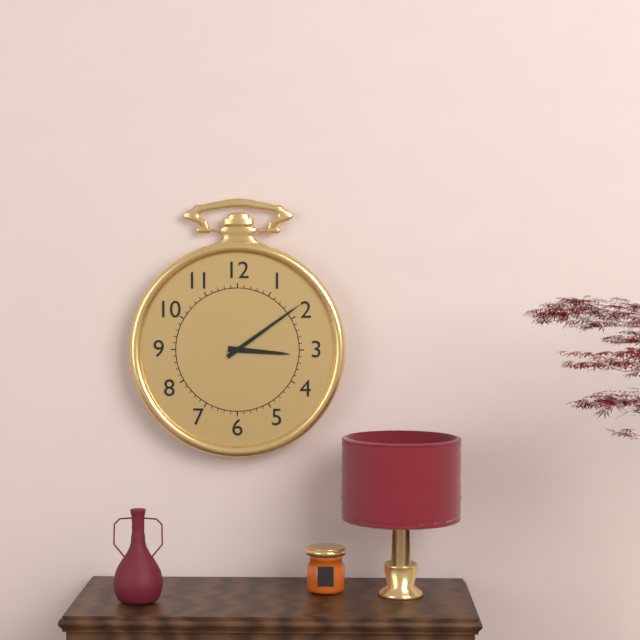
3:09
